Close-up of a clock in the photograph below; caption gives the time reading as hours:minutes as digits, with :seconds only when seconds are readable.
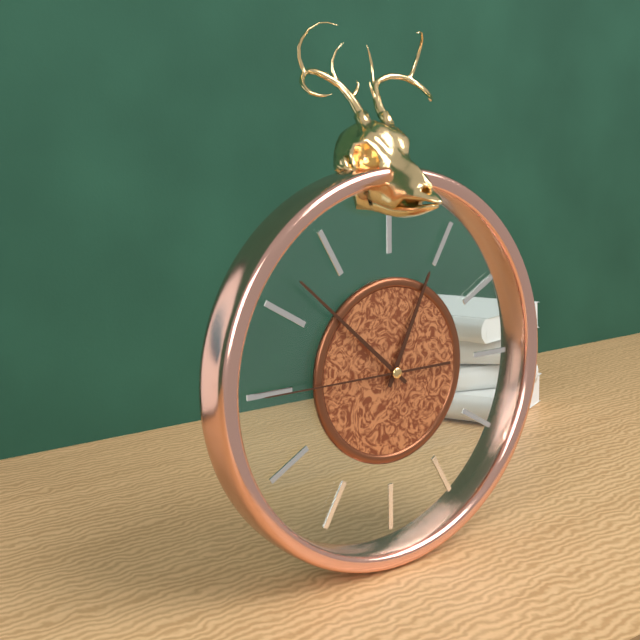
12:52:45
